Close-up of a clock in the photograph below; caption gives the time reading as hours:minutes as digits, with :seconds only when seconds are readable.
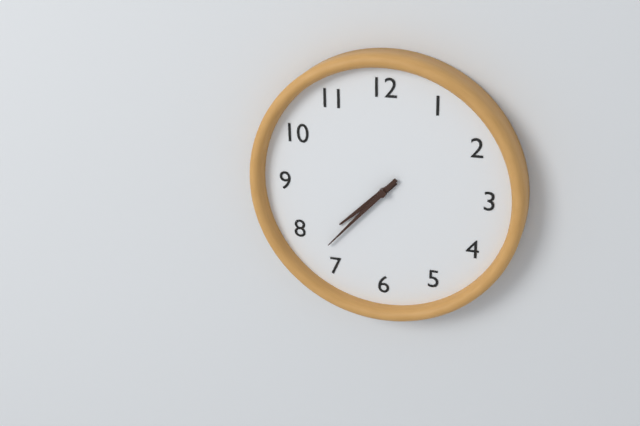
7:37
